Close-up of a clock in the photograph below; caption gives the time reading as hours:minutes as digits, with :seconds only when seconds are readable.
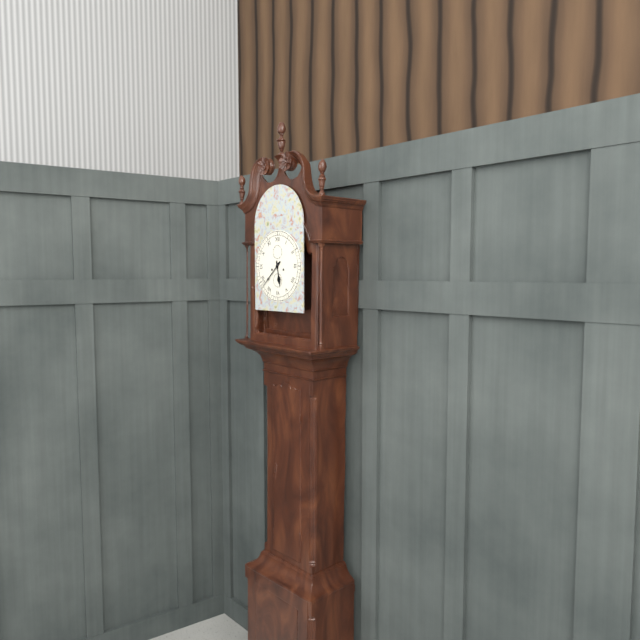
5:38
